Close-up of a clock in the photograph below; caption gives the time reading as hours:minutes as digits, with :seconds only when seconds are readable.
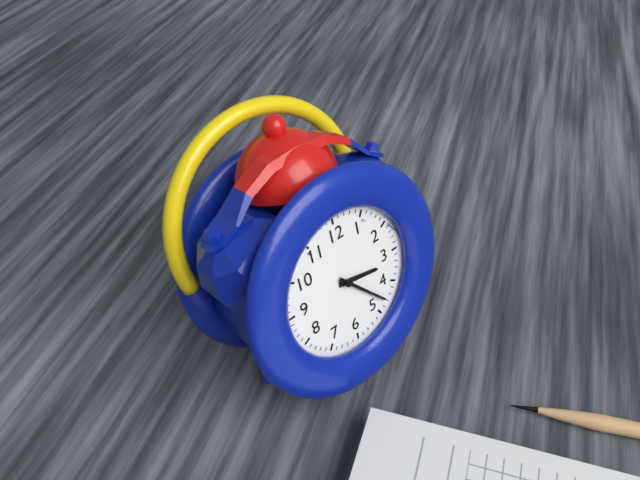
3:23
